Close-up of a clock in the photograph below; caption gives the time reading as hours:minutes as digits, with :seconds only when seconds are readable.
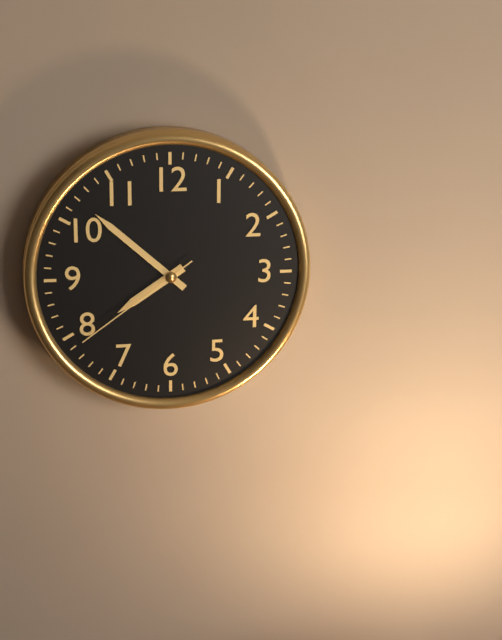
7:52:39
